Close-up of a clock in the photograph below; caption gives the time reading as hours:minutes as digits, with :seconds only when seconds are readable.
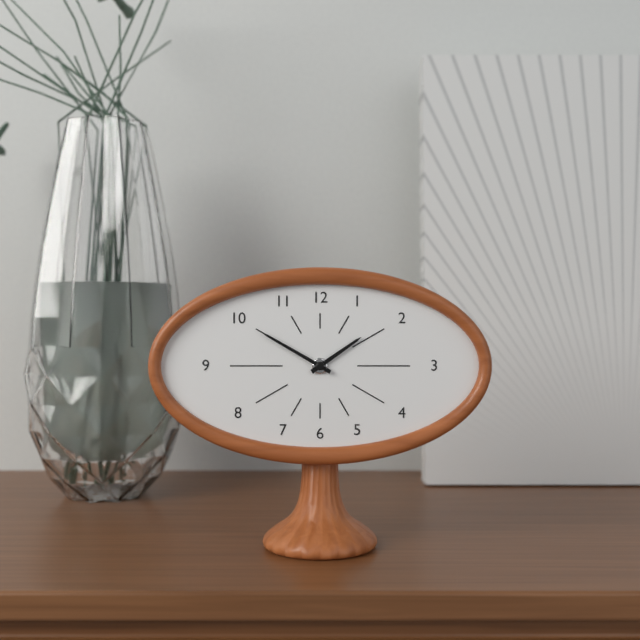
1:50
